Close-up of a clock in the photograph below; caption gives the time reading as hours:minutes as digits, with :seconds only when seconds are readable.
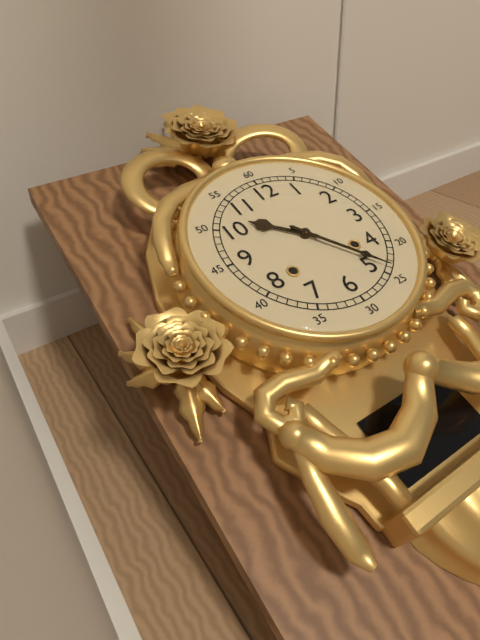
10:24
